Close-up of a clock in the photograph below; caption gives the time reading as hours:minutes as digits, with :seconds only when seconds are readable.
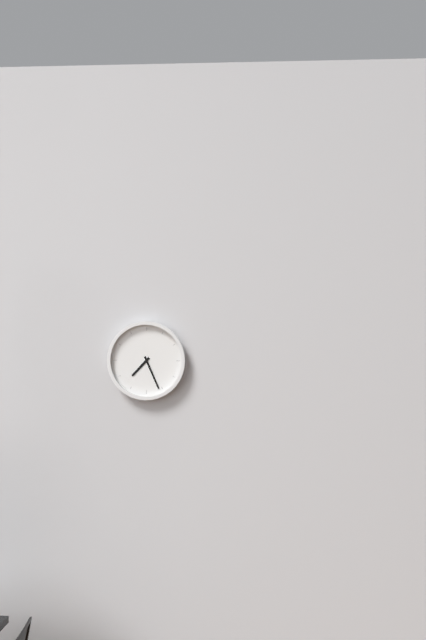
7:26
